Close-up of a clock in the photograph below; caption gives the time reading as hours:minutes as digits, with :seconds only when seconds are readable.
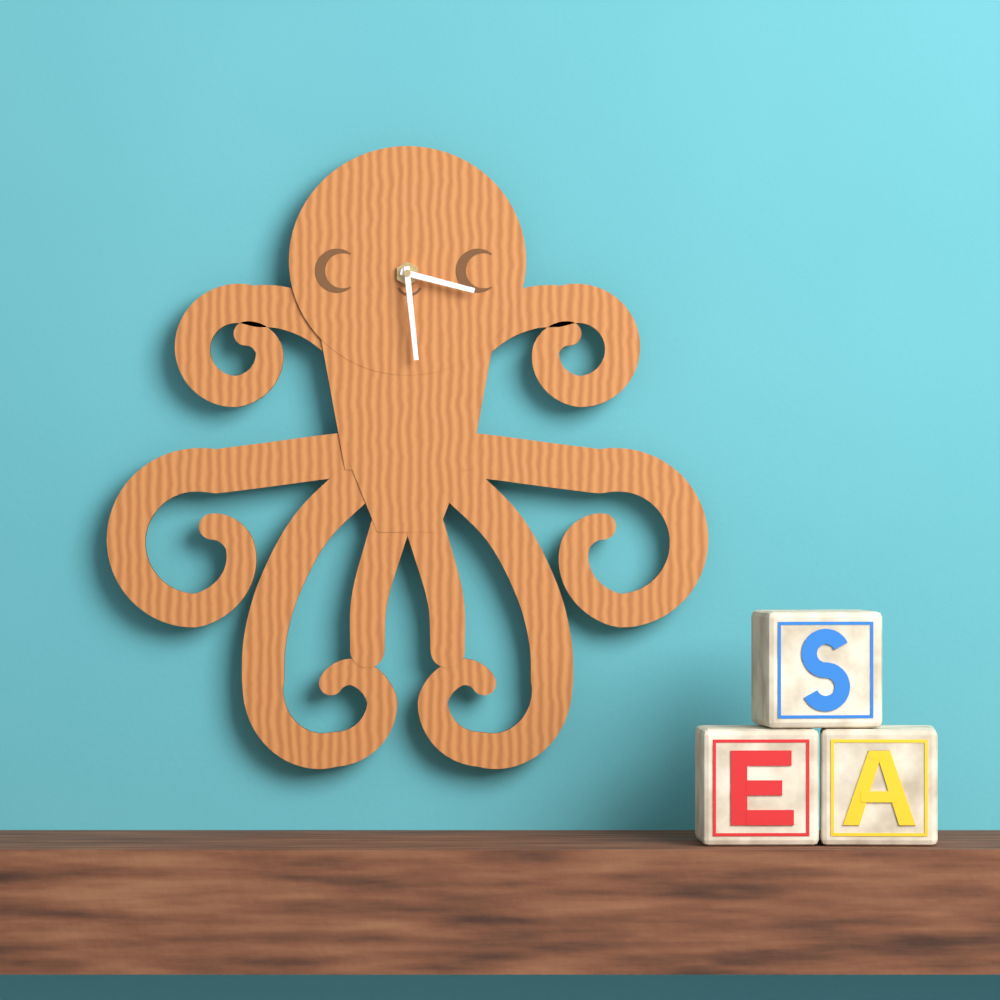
3:29
